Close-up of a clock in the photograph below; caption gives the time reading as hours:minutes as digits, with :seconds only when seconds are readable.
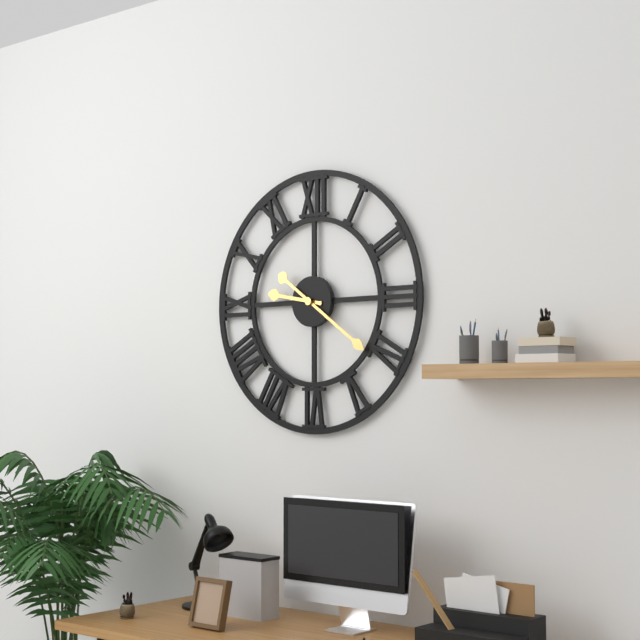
9:21
